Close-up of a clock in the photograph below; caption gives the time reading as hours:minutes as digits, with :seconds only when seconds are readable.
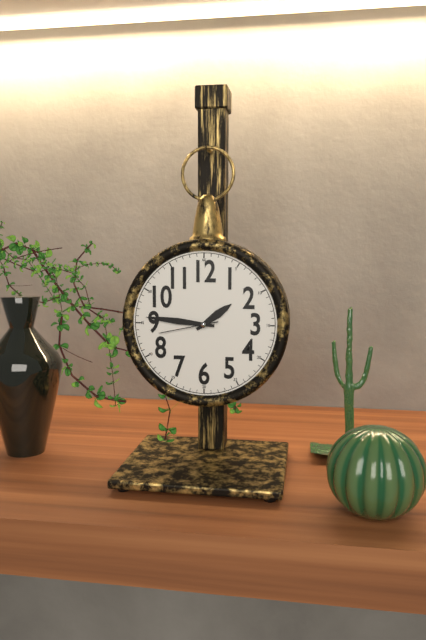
1:46:43
